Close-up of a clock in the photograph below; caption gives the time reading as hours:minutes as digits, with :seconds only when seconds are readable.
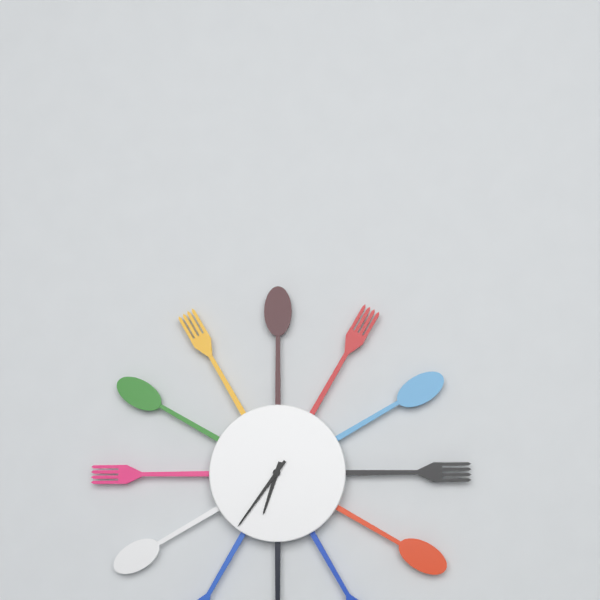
6:36
